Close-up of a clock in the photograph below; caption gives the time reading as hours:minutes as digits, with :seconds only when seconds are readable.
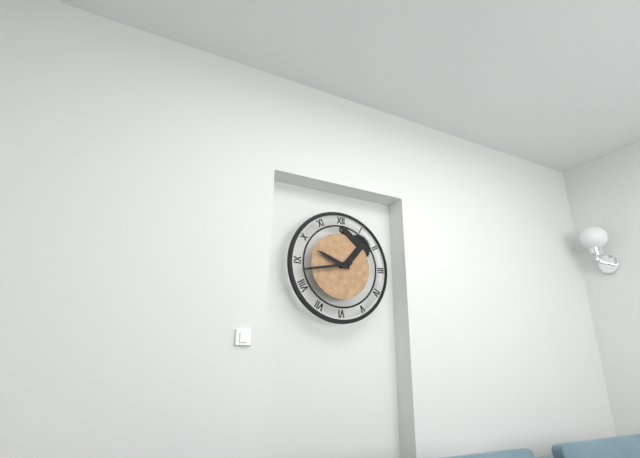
9:43
